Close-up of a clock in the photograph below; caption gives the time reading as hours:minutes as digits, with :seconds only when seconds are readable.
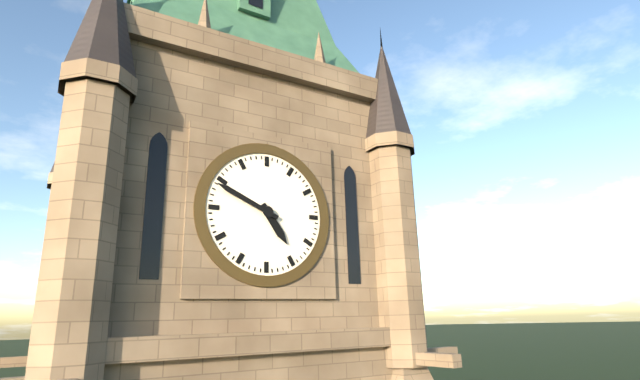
4:49
